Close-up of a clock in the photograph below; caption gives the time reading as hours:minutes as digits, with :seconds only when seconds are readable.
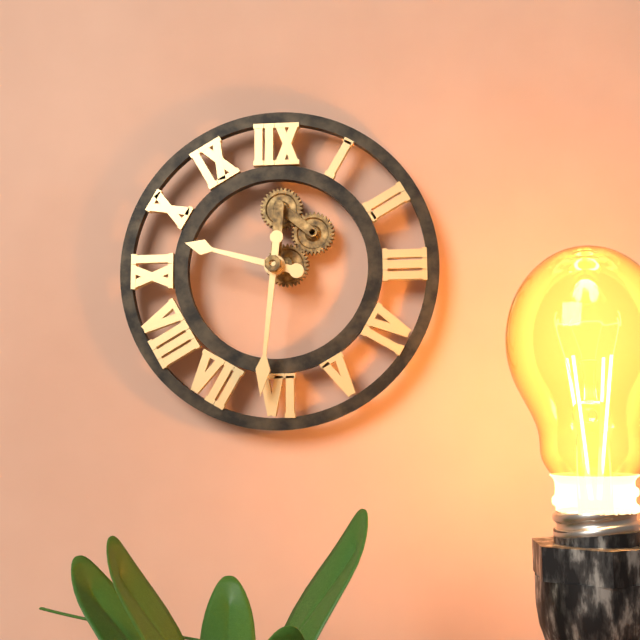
9:31
